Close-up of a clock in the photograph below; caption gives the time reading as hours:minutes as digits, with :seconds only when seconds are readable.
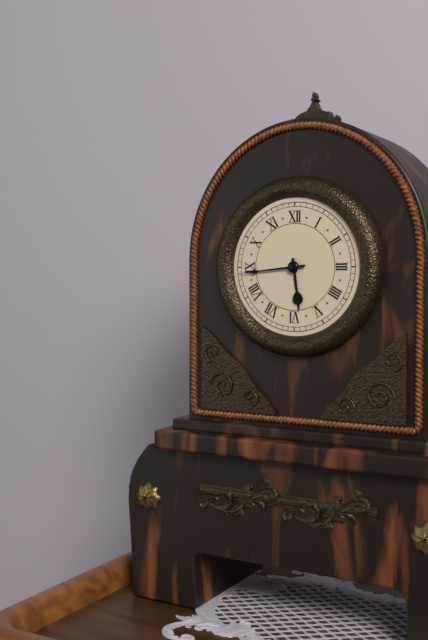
5:44
